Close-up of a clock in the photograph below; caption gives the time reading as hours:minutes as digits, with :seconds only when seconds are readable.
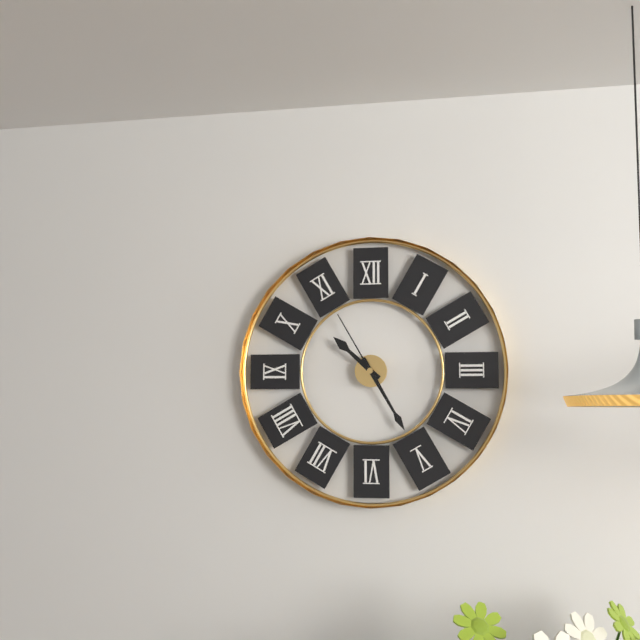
10:25:55
